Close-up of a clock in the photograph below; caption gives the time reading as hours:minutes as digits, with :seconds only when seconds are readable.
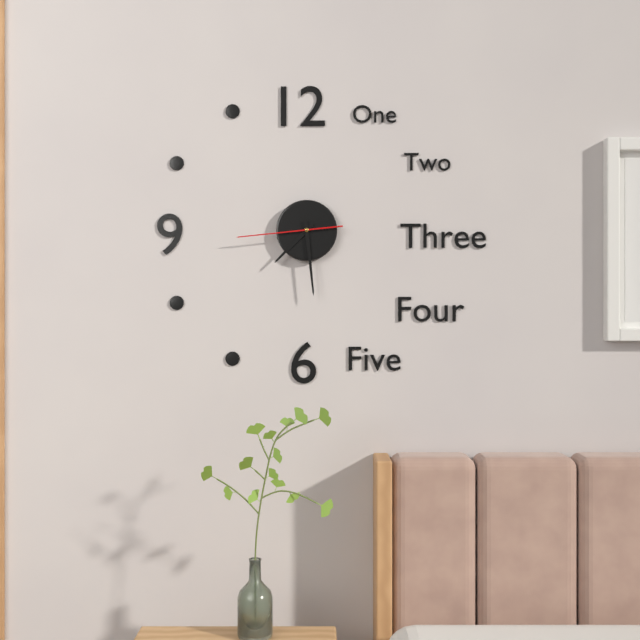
7:29:44
